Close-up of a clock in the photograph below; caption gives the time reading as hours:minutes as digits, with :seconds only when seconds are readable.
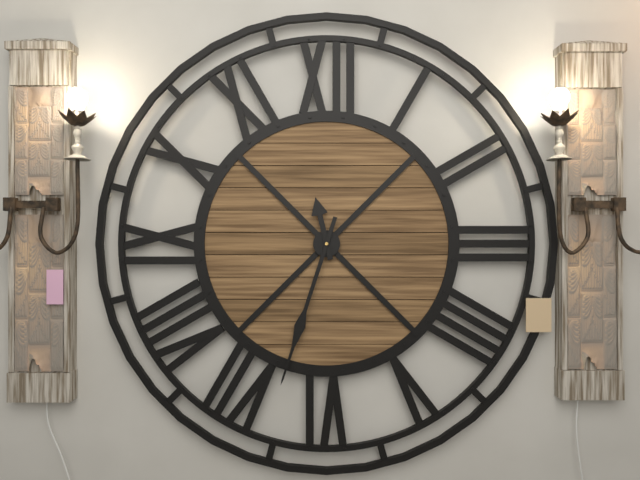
11:33
